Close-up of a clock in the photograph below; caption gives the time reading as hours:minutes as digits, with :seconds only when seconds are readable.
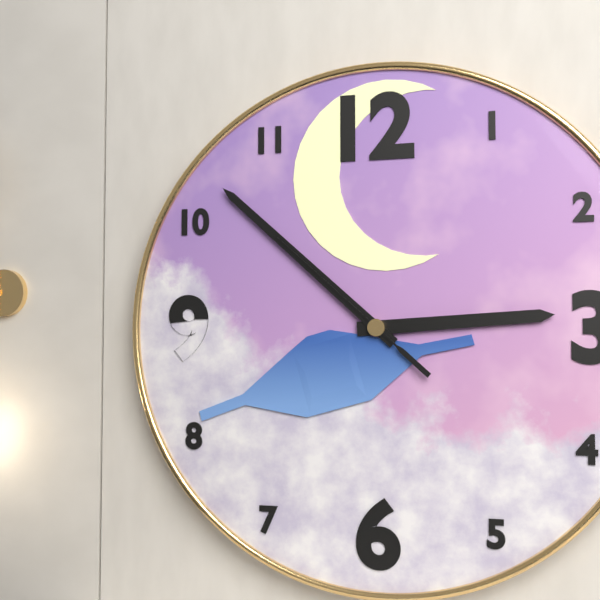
2:52:52
